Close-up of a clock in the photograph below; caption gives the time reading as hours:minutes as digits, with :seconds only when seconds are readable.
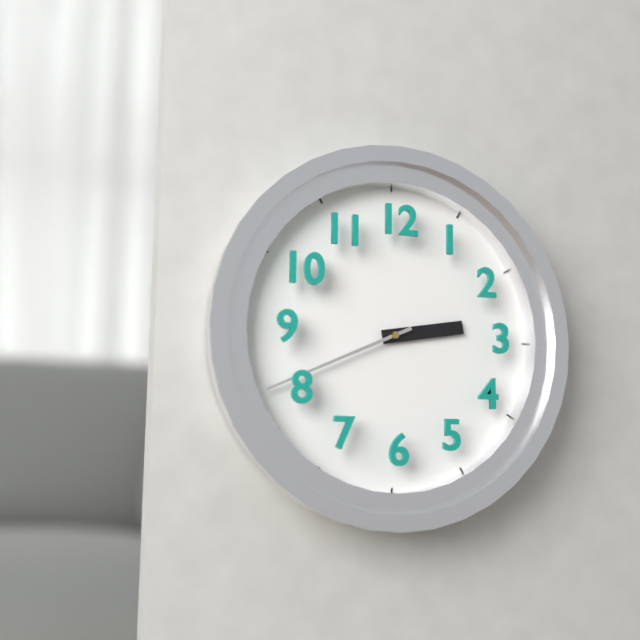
2:41
